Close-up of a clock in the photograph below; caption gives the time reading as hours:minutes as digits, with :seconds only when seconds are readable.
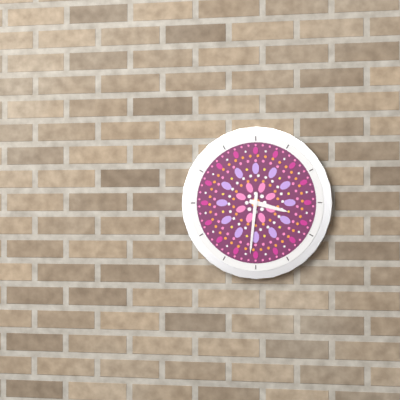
3:31
